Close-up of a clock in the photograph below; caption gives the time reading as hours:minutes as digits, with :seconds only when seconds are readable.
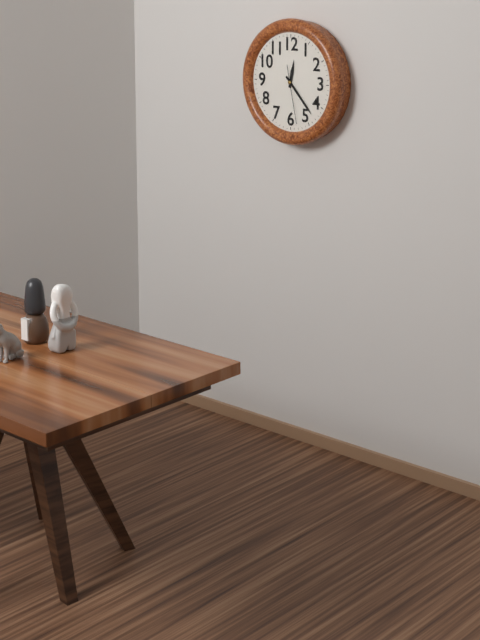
12:23:28
